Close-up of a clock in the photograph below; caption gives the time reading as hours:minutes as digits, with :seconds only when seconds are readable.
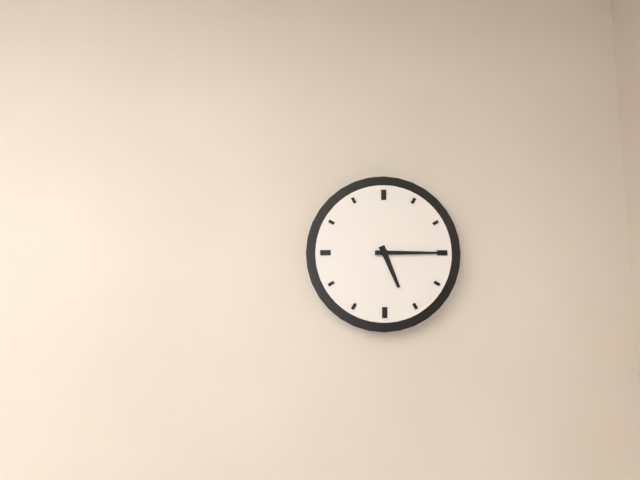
5:15
